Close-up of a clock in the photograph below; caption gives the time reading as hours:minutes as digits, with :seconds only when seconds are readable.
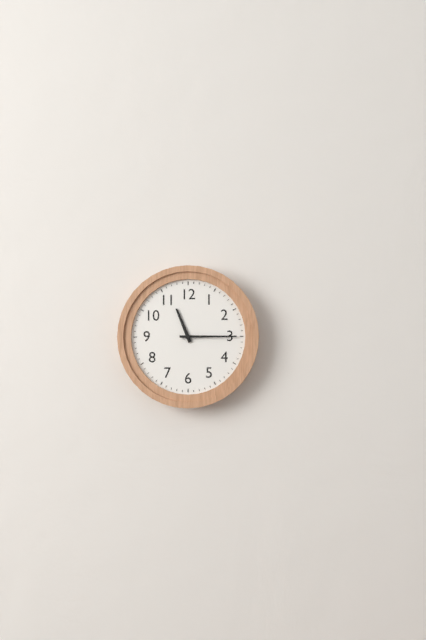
11:15
